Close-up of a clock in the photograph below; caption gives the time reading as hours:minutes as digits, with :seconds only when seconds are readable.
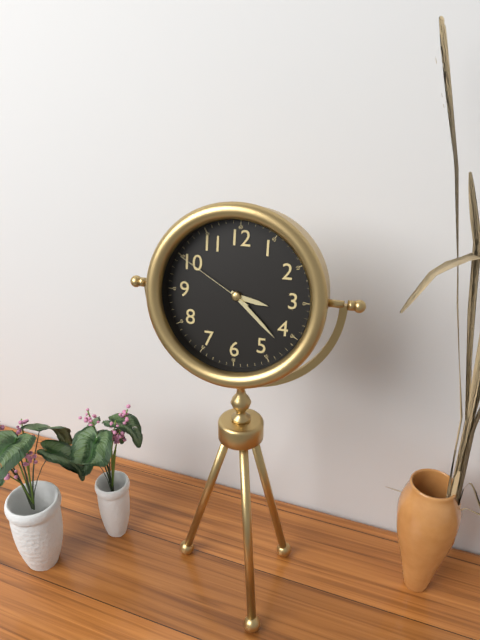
3:22:50
